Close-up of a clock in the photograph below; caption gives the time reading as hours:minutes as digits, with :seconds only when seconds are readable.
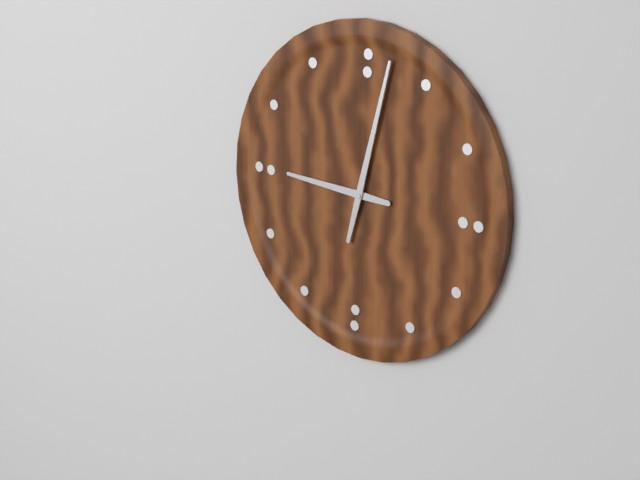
9:02
